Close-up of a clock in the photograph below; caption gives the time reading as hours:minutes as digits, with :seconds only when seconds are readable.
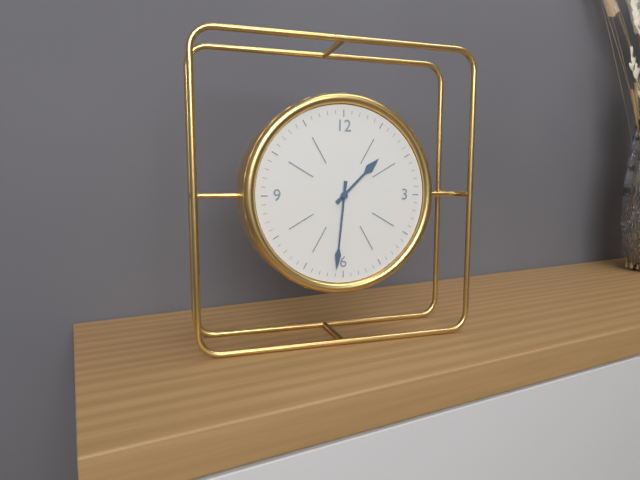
1:31
